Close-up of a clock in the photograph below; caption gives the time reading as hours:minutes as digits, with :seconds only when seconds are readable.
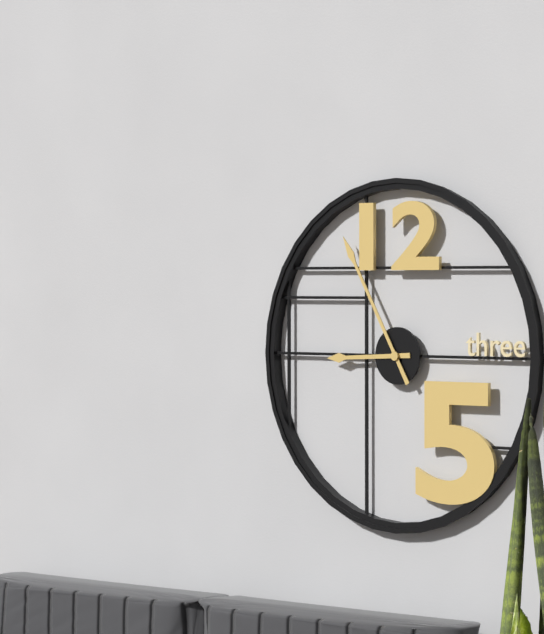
8:55
